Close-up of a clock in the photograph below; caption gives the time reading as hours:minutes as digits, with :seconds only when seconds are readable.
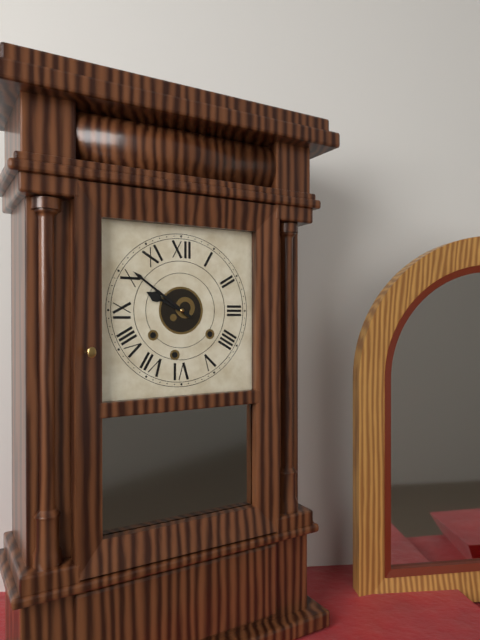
9:51
